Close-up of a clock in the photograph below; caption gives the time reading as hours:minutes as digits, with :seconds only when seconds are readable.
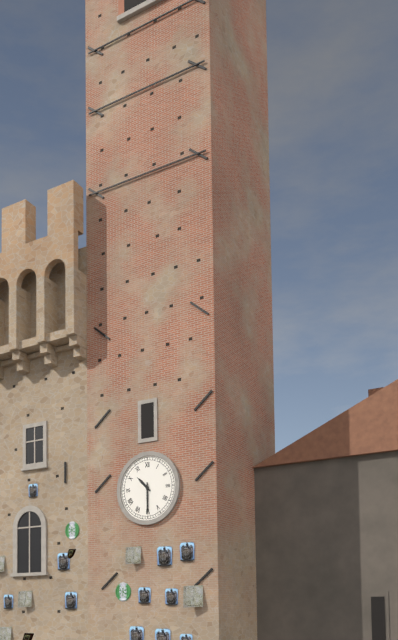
10:30
